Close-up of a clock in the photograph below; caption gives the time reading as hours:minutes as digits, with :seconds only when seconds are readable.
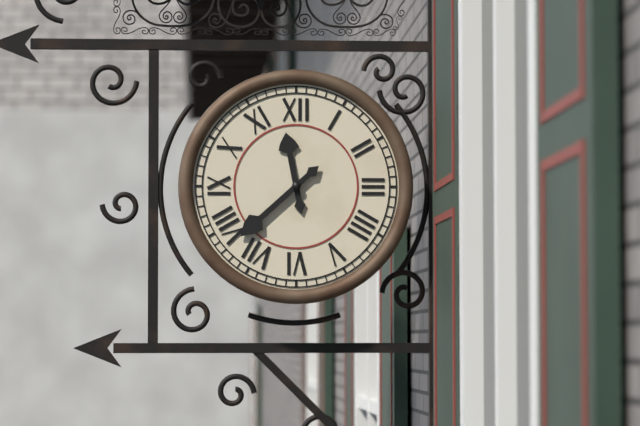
11:38
